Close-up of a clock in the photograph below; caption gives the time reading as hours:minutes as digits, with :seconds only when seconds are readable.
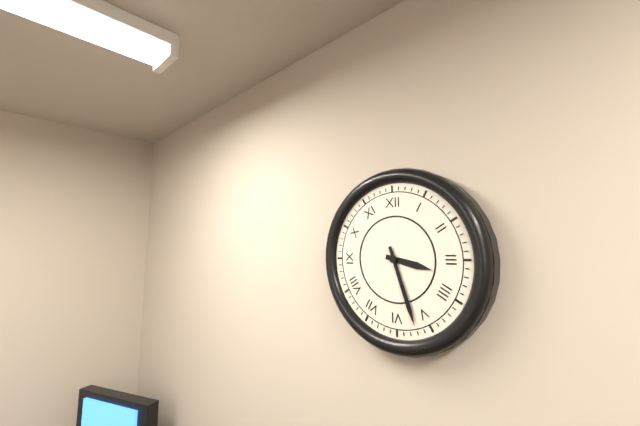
3:27
